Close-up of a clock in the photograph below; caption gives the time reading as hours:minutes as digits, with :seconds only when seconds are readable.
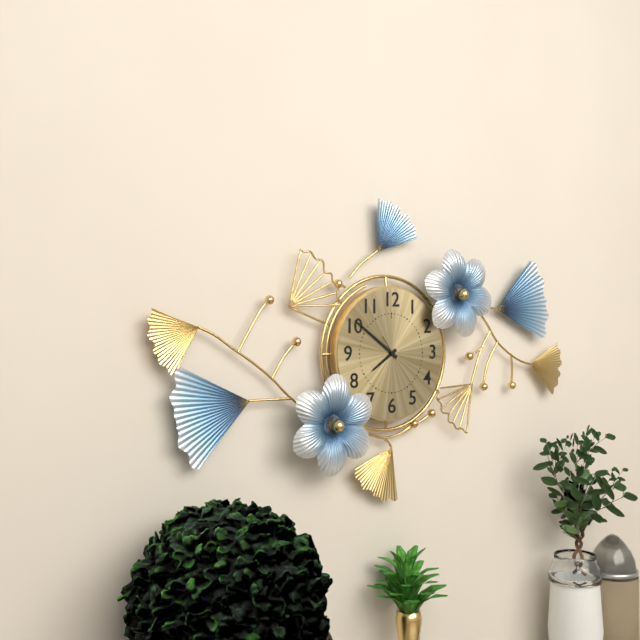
7:51
